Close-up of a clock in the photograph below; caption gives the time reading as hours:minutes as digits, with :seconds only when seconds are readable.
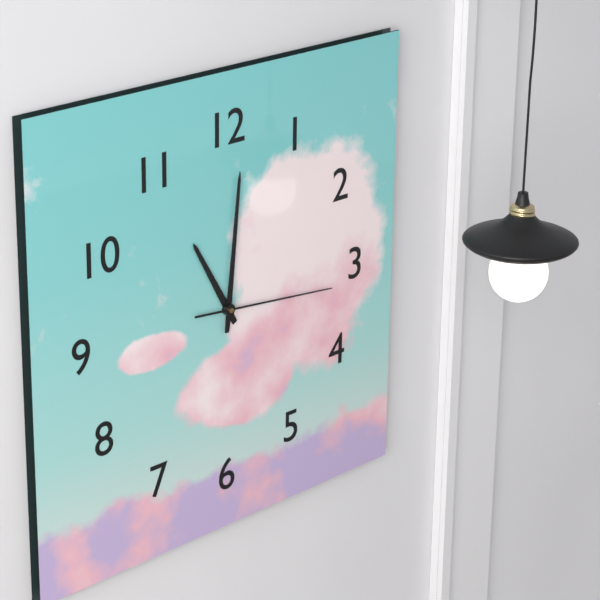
11:01:16
